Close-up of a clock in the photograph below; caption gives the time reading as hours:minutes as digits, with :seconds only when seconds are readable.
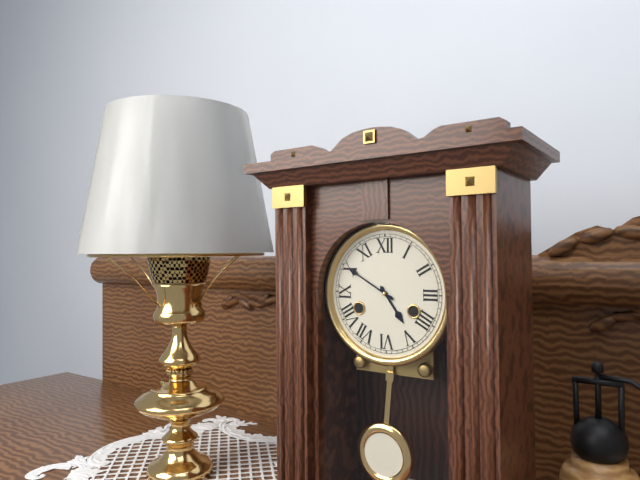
4:50
